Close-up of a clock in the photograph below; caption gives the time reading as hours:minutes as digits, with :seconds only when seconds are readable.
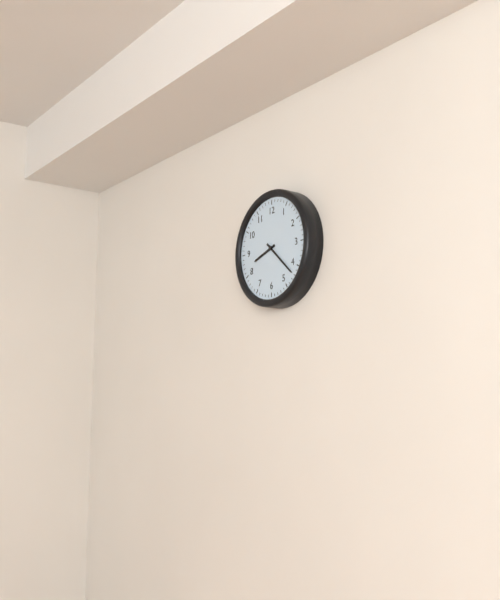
8:22
